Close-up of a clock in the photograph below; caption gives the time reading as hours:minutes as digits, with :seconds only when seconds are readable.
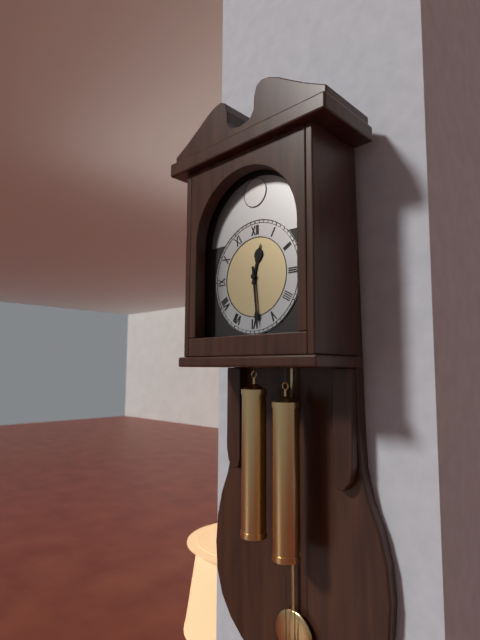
12:29
